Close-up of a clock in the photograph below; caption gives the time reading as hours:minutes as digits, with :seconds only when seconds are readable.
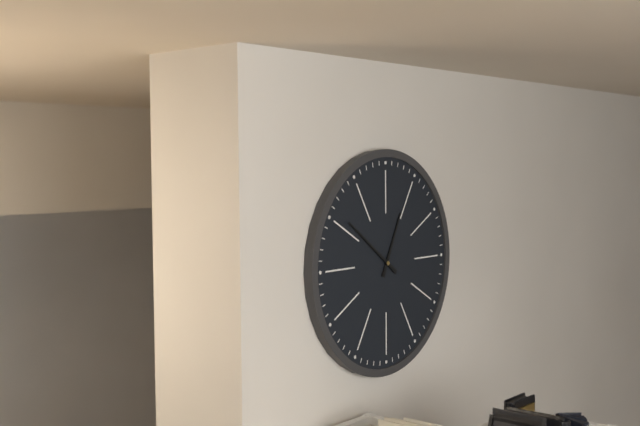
12:51
